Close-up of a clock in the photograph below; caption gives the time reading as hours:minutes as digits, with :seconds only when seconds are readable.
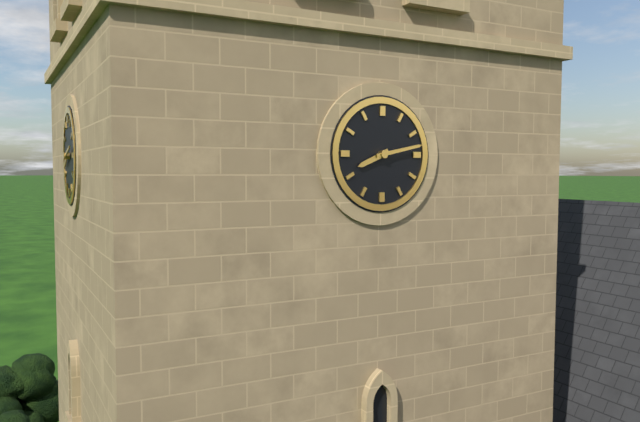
8:13
